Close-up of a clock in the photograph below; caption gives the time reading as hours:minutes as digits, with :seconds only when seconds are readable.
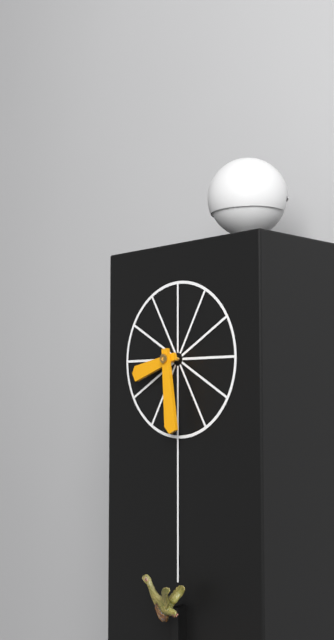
8:29
